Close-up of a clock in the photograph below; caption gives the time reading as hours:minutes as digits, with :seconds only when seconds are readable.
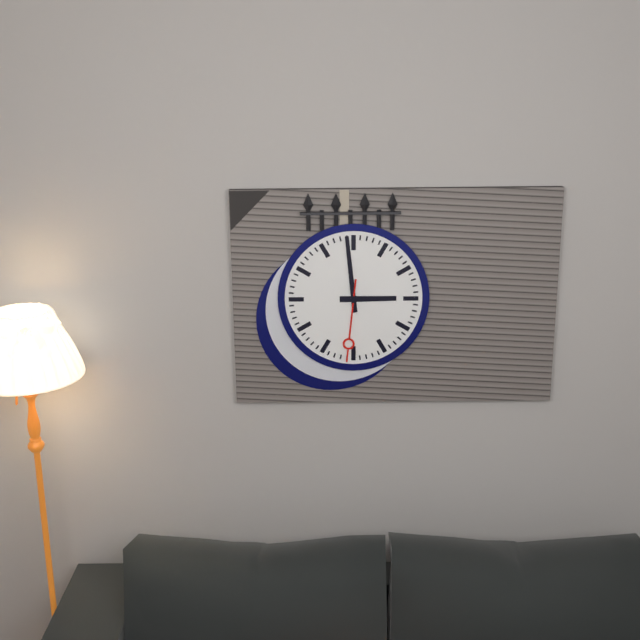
2:59:31
